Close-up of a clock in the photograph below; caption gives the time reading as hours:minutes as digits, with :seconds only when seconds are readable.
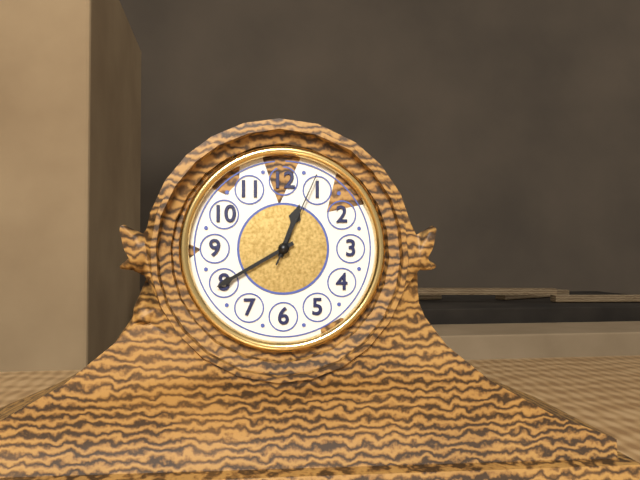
12:40:04
